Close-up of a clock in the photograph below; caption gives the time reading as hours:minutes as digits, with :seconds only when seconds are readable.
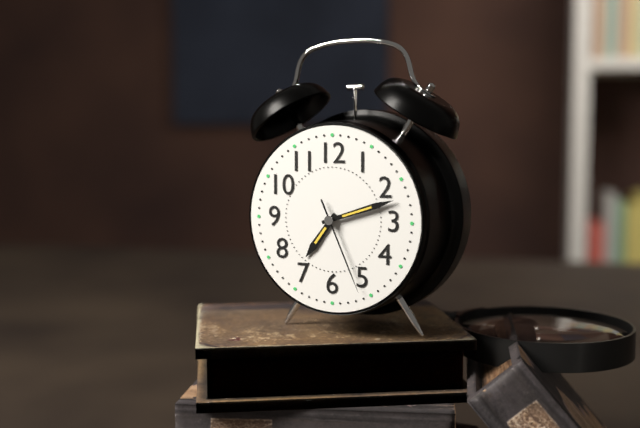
7:12:26
